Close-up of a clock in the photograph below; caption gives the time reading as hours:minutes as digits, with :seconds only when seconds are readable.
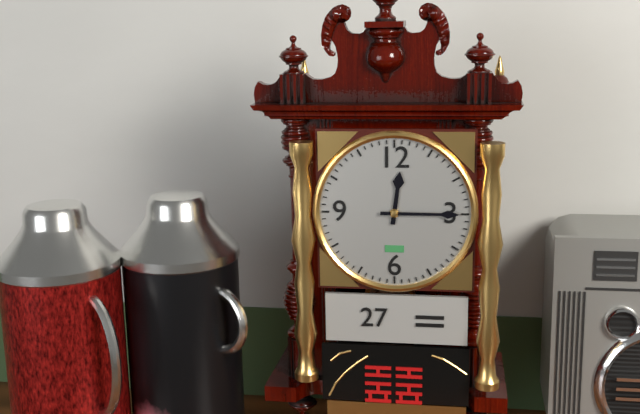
12:15
